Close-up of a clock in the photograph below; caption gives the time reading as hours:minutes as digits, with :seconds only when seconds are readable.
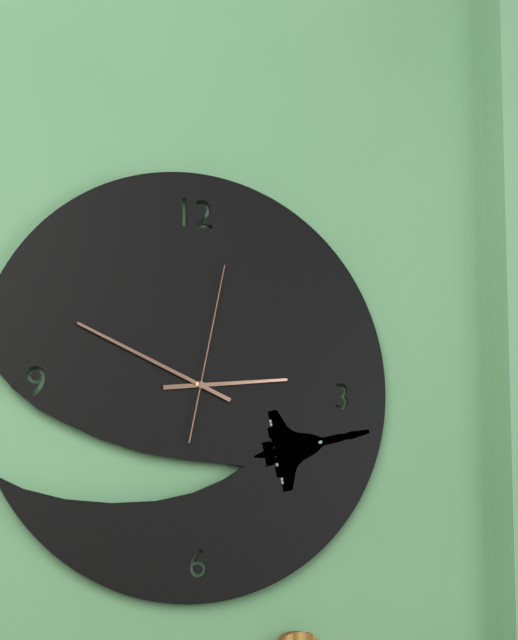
2:49:02
